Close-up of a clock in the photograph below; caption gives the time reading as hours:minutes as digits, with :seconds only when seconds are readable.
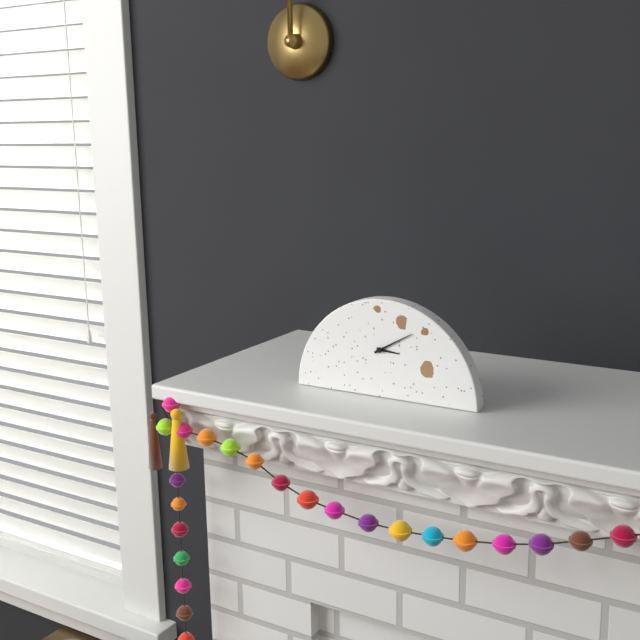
3:10
